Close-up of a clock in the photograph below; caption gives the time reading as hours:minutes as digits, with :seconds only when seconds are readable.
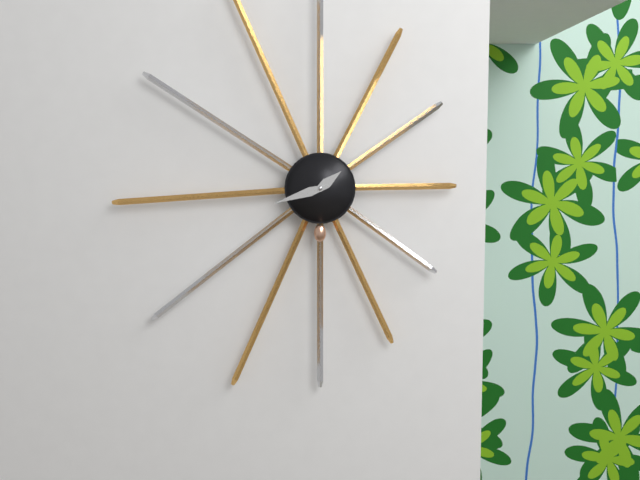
1:42
